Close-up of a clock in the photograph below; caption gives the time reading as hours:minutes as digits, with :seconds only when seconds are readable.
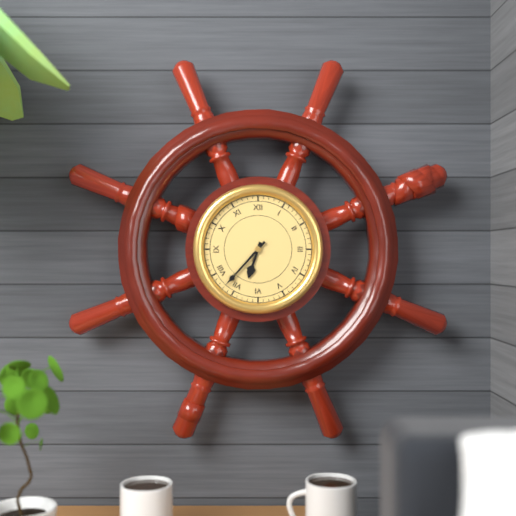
6:37
